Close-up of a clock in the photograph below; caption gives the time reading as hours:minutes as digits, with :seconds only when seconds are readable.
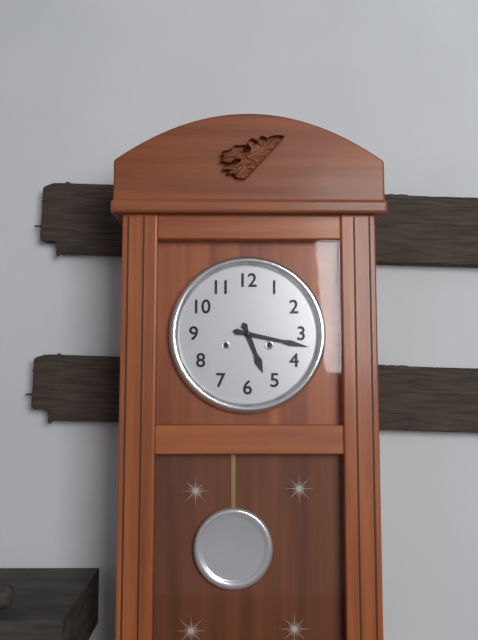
5:17
